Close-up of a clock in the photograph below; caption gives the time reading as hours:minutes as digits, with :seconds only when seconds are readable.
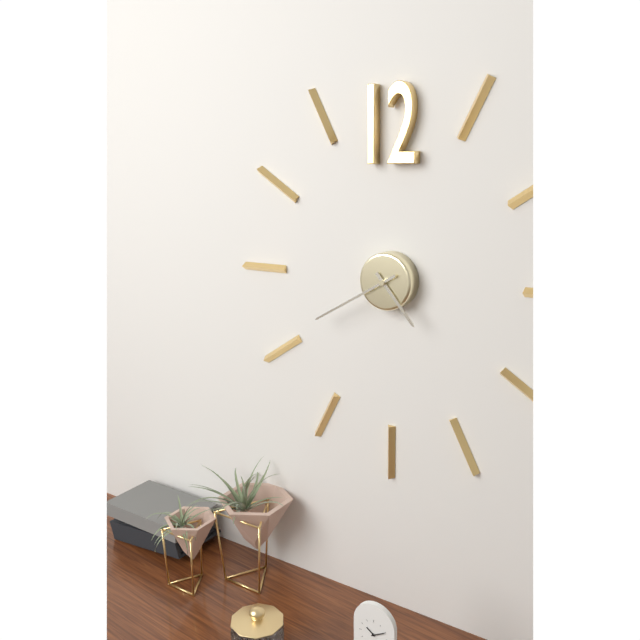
4:40
